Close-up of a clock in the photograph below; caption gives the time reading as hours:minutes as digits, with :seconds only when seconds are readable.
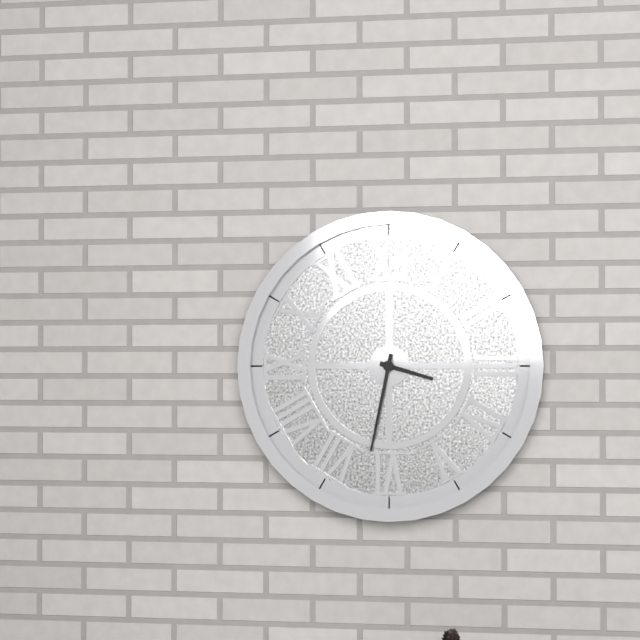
3:32
